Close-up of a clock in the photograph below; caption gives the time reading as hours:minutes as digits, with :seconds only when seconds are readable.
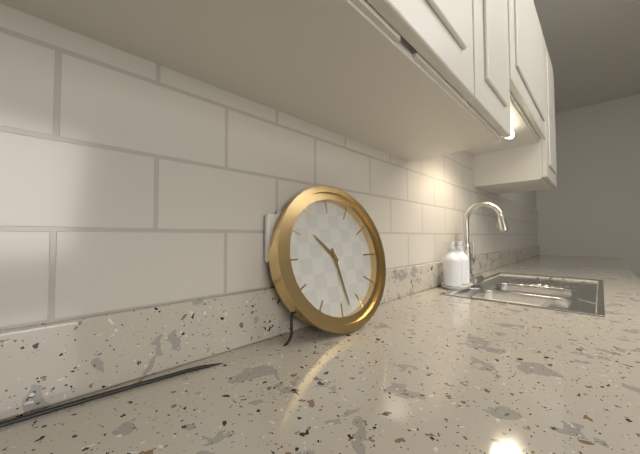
10:28
